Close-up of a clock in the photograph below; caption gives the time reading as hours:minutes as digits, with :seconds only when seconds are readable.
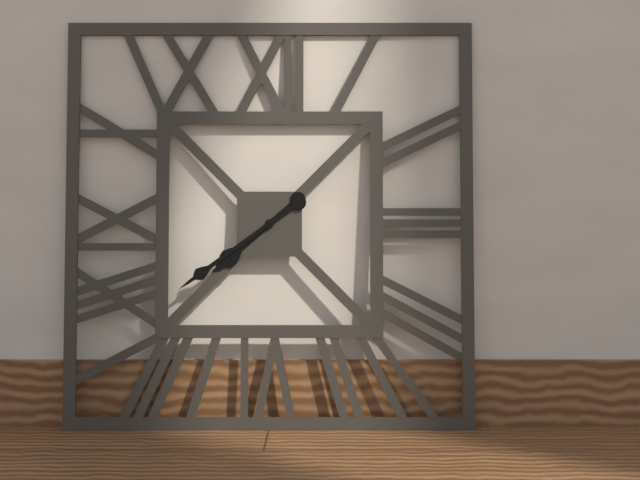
7:39
